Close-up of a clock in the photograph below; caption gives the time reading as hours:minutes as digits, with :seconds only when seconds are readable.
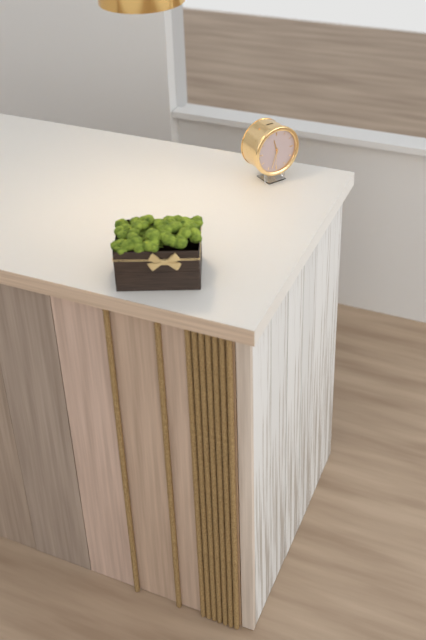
11:33
